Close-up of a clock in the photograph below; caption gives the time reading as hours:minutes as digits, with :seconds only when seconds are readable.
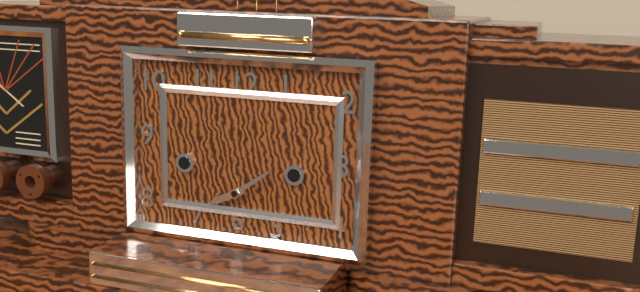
8:09
